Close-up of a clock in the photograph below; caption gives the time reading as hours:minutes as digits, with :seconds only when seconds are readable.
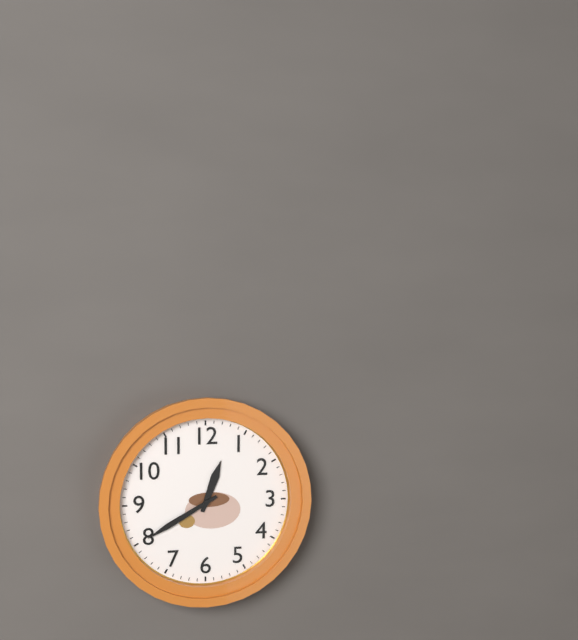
12:40
